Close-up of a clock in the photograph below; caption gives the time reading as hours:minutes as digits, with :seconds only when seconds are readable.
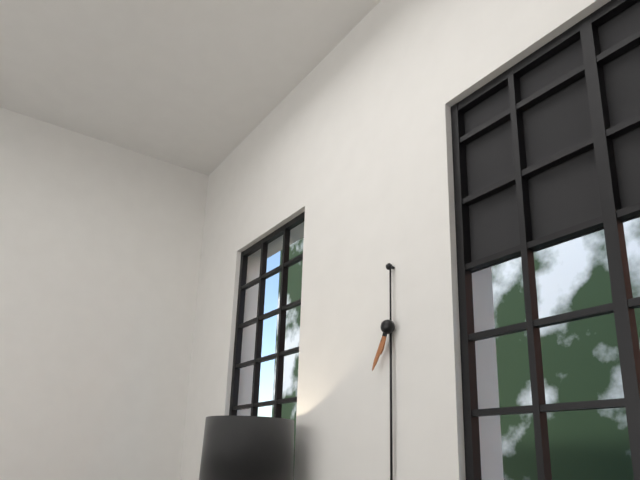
6:35
